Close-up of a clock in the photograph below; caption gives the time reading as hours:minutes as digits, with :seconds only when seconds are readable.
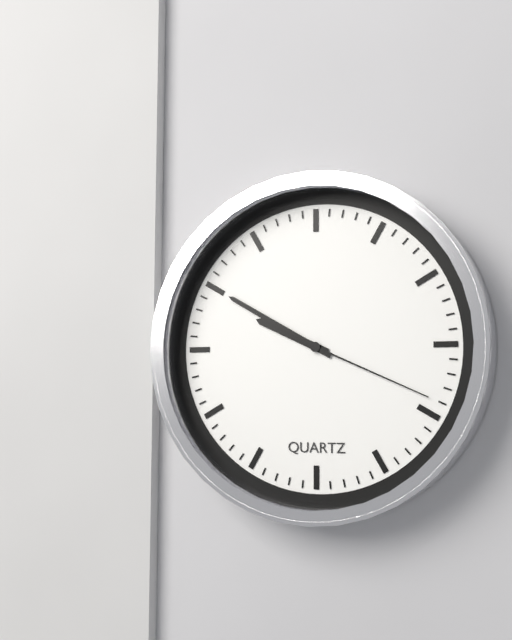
9:50:19
